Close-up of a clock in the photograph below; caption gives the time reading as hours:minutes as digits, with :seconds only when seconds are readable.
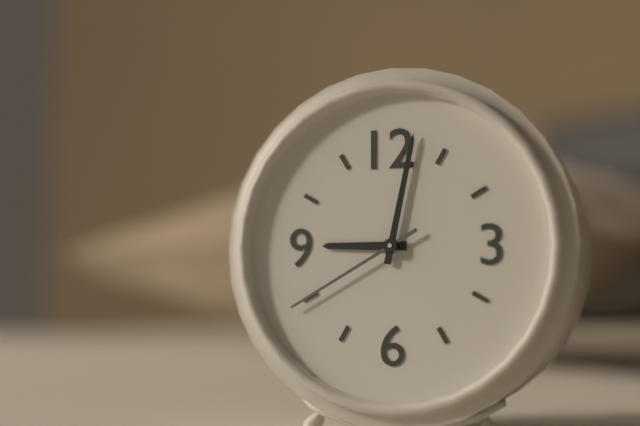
9:02:40
